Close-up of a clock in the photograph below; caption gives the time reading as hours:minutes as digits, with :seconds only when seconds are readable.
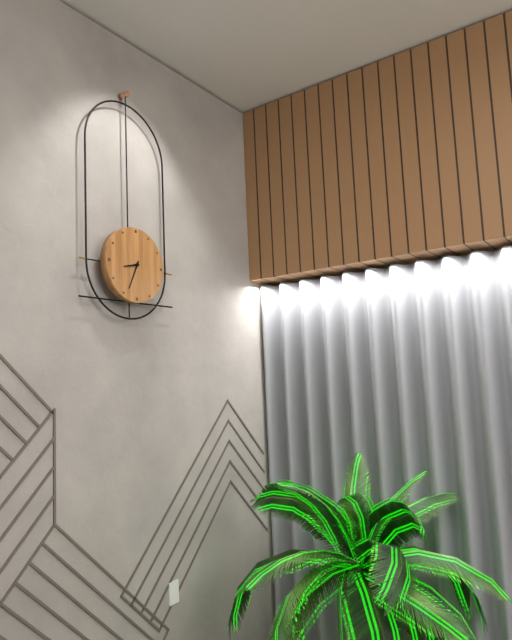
8:34
